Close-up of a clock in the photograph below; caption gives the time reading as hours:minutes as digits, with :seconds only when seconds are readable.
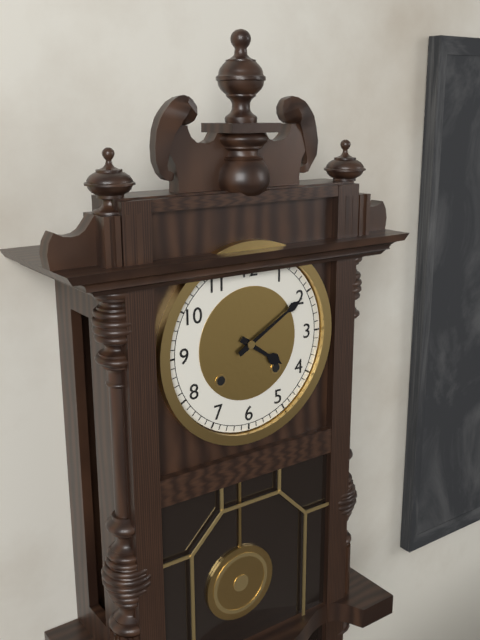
4:10
